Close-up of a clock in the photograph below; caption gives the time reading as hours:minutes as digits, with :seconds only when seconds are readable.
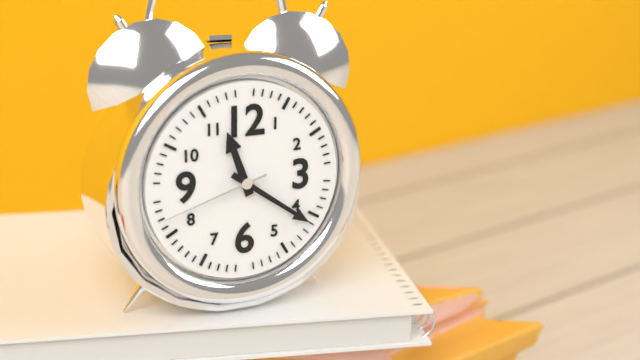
11:21:42
